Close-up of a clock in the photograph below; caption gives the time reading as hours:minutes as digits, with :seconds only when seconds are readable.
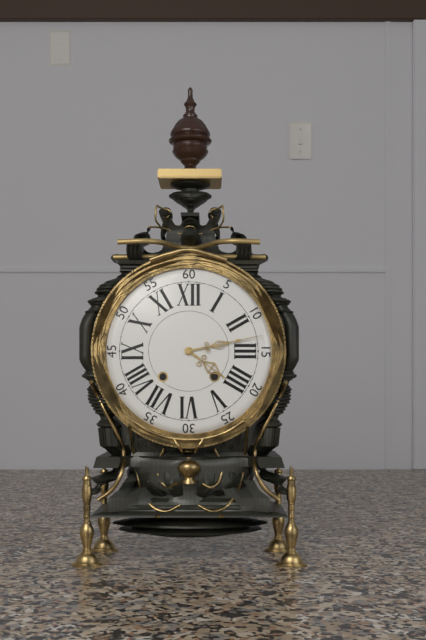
4:13
